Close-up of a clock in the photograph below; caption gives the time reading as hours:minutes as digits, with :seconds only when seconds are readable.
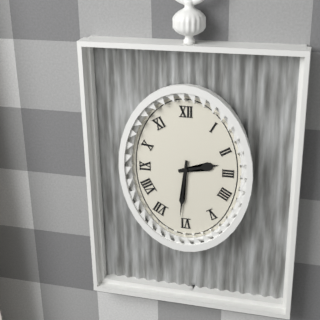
2:31
